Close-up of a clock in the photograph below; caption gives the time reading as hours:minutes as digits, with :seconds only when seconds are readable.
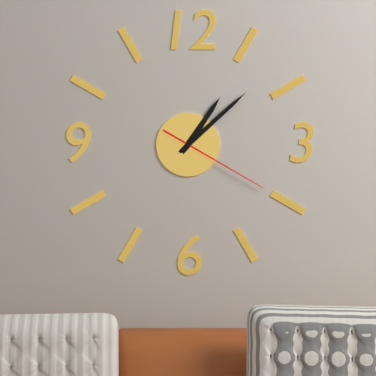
1:08:20
